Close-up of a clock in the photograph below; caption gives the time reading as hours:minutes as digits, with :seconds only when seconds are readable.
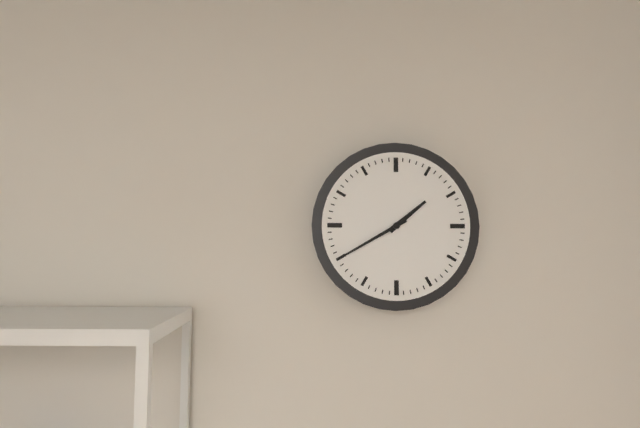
1:40
